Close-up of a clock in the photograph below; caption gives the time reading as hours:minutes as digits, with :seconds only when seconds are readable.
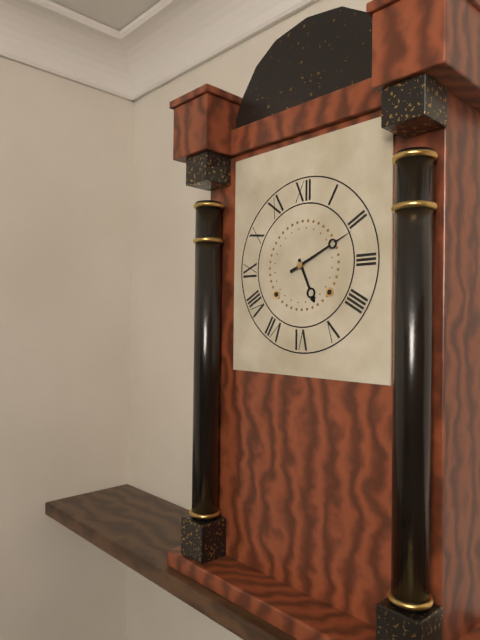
5:11
